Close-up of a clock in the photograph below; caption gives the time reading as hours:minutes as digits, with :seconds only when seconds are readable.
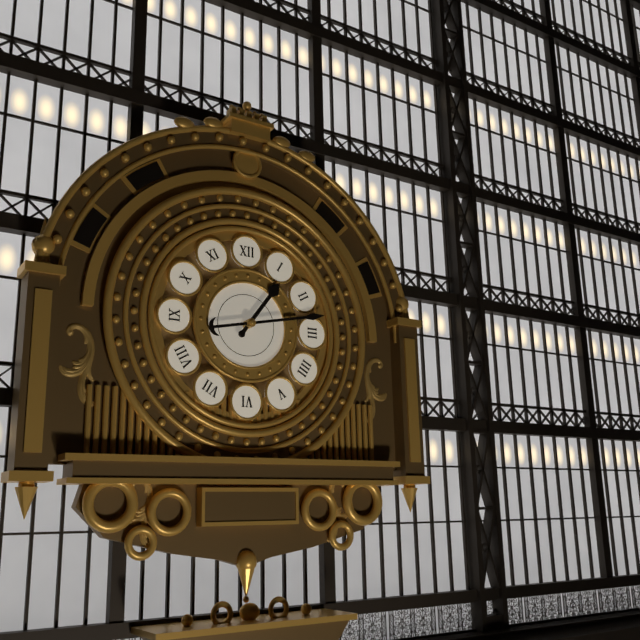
1:13
